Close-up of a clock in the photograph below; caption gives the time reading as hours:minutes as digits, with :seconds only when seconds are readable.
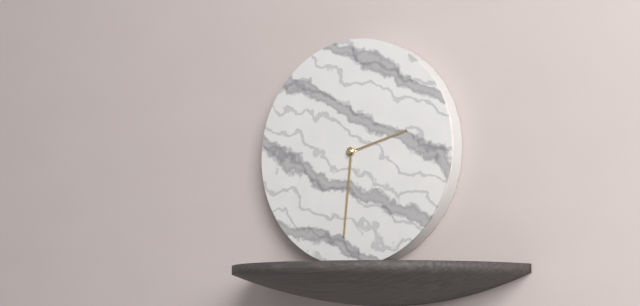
2:31
